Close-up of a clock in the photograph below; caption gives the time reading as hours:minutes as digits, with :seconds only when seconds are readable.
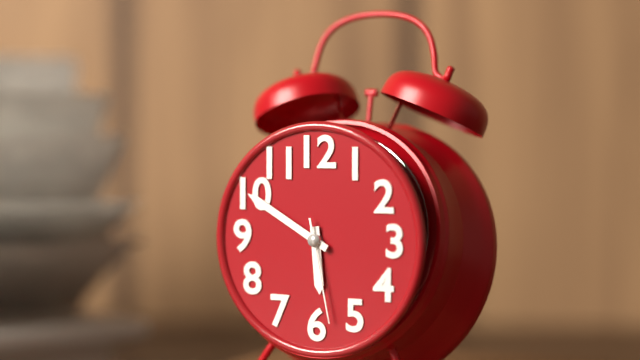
5:50:28
